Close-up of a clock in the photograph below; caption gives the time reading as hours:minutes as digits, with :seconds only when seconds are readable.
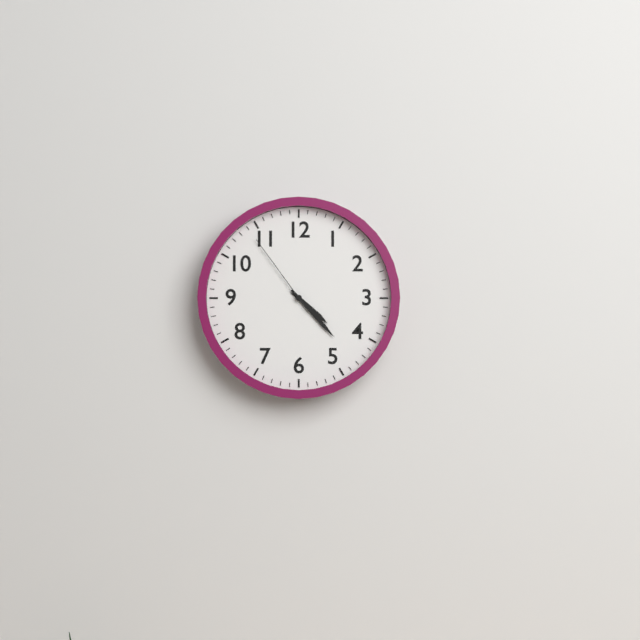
4:23:54
